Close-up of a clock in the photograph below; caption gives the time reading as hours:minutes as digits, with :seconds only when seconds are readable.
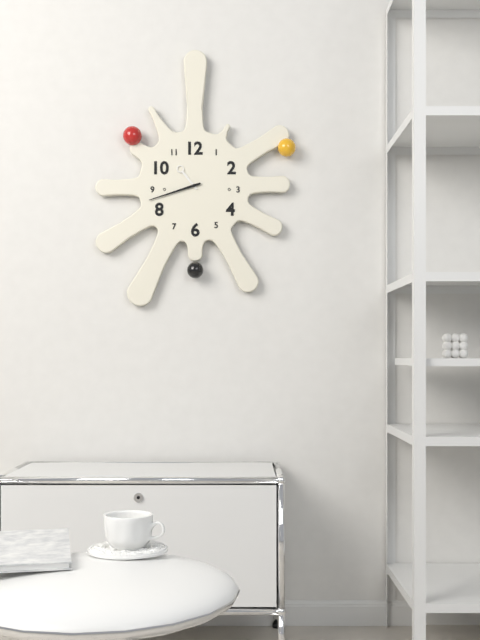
10:42
